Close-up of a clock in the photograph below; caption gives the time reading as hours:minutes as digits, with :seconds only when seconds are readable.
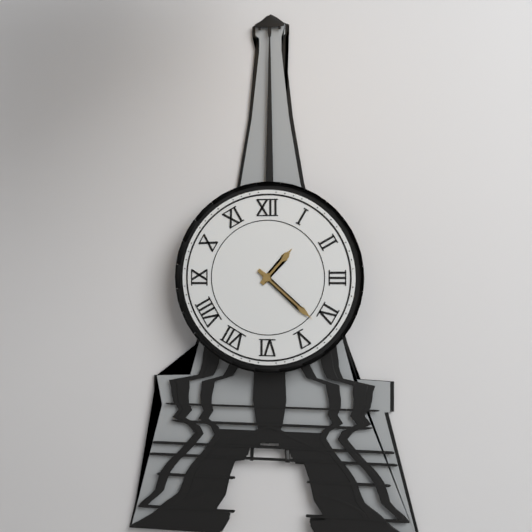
1:22
